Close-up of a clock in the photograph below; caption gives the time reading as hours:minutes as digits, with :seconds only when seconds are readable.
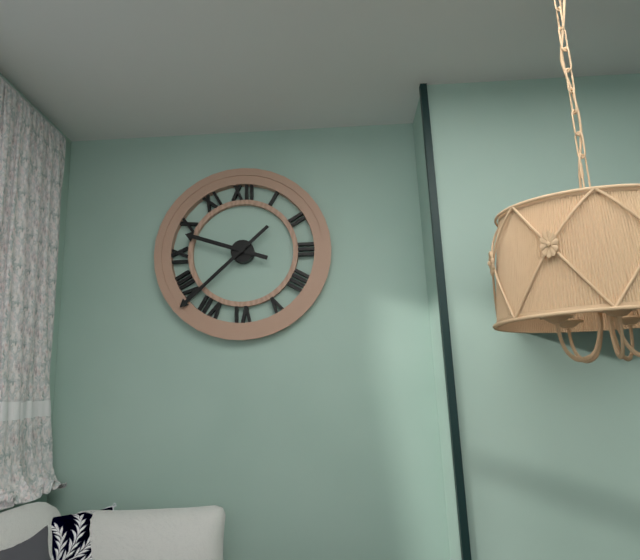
9:38
